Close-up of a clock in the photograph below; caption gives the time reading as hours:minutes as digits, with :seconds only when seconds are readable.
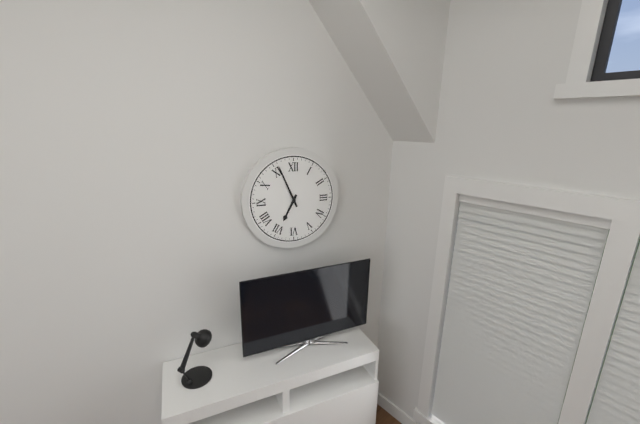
6:56
